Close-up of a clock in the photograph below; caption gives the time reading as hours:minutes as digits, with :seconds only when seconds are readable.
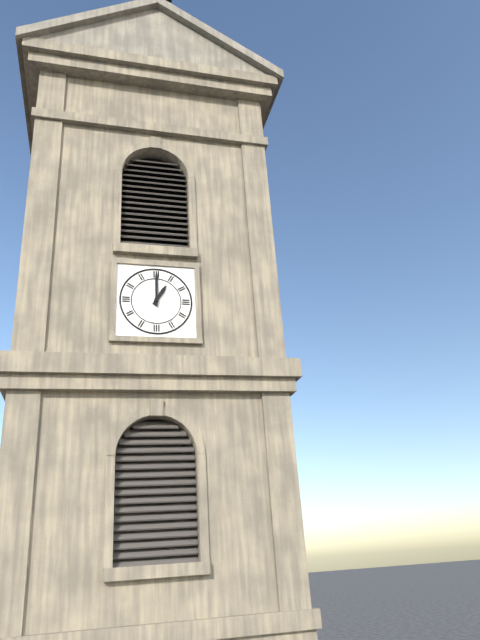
1:00
